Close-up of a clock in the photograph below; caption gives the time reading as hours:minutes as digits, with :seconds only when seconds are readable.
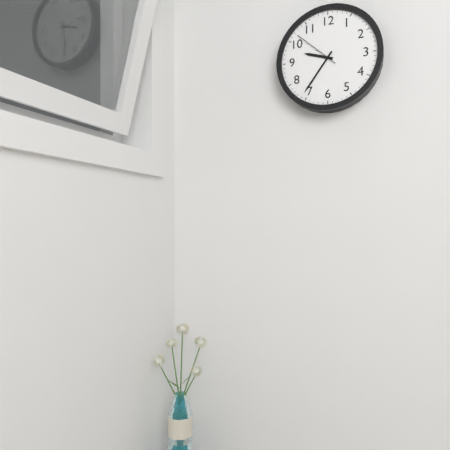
9:36
